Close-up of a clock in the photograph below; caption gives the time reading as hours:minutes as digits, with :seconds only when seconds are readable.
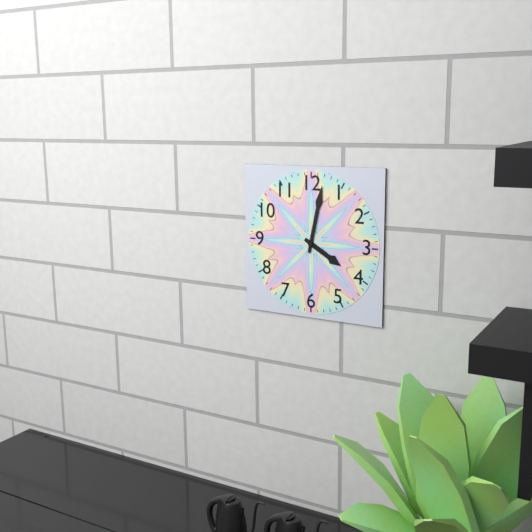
4:02
